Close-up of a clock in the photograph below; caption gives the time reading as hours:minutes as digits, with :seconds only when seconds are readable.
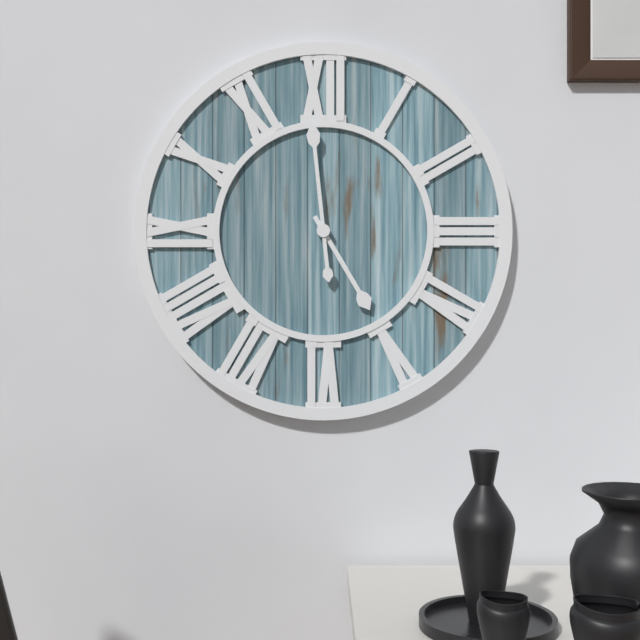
4:59
